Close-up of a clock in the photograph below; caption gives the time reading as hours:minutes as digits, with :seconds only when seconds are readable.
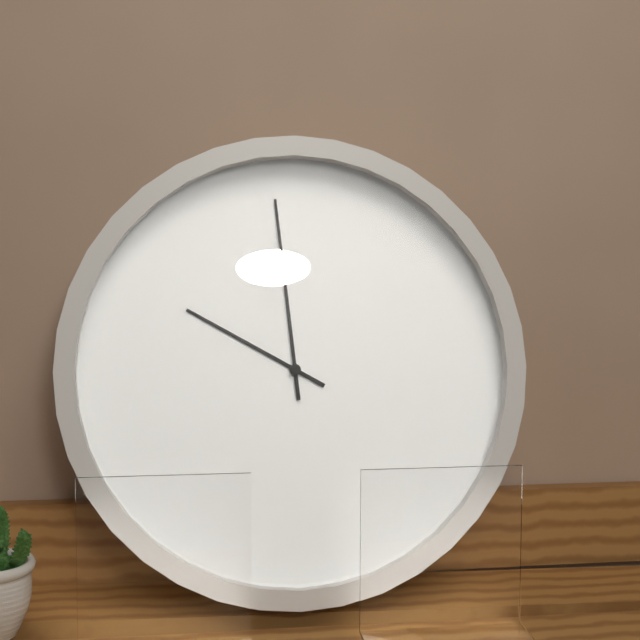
9:59
